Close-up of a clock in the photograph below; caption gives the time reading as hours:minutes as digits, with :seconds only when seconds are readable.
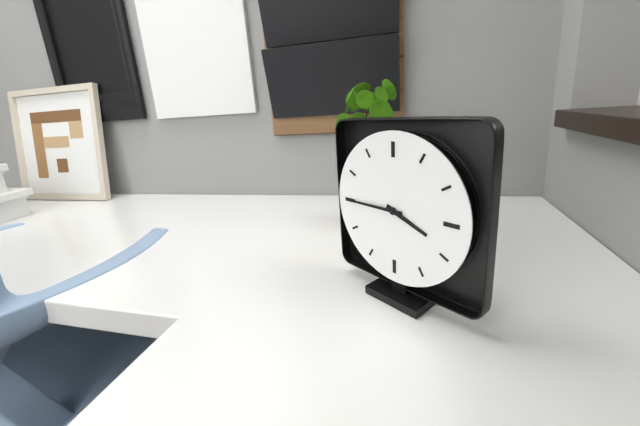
3:45
